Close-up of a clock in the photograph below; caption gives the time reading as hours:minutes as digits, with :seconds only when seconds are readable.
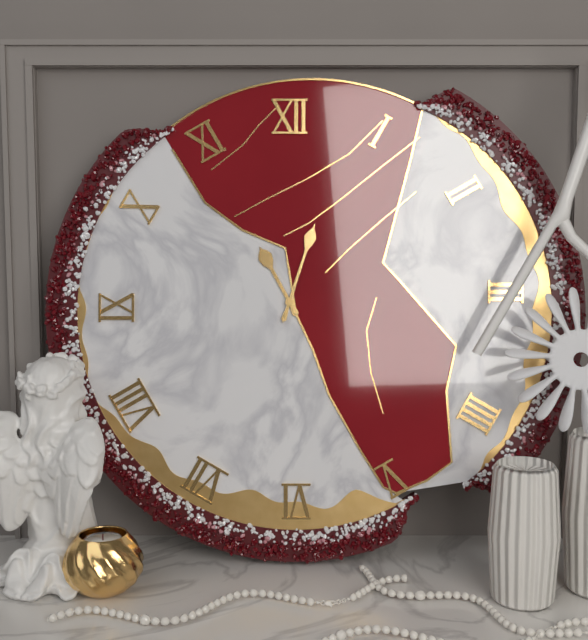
11:03
